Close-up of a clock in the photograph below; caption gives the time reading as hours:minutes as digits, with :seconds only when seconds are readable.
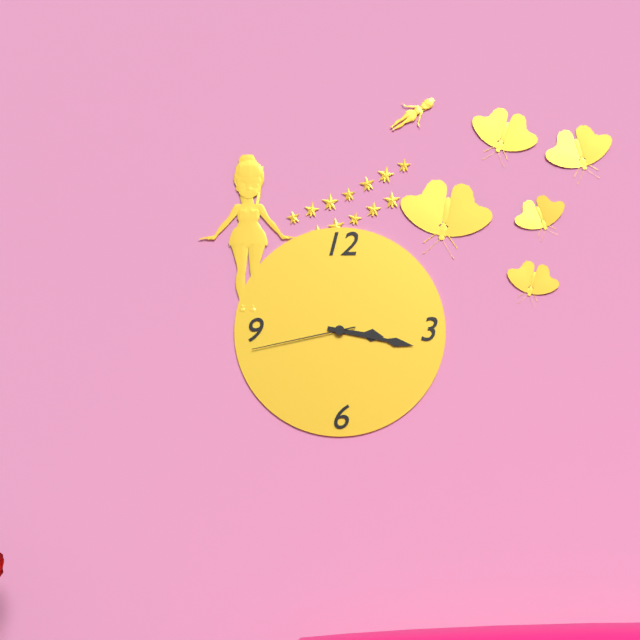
3:17:43
